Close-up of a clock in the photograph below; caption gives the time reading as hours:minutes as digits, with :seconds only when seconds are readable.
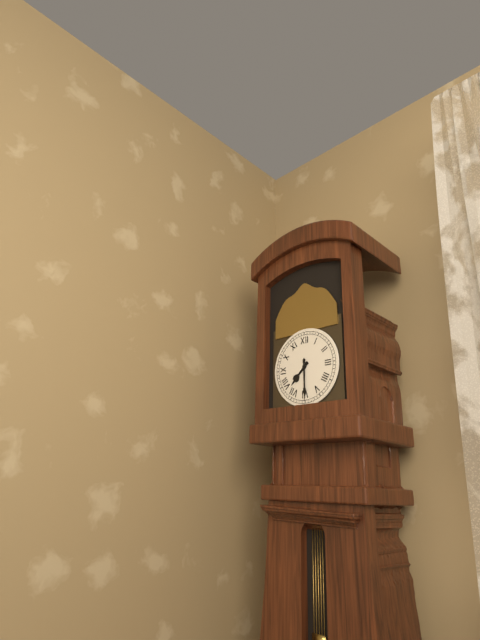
7:30
